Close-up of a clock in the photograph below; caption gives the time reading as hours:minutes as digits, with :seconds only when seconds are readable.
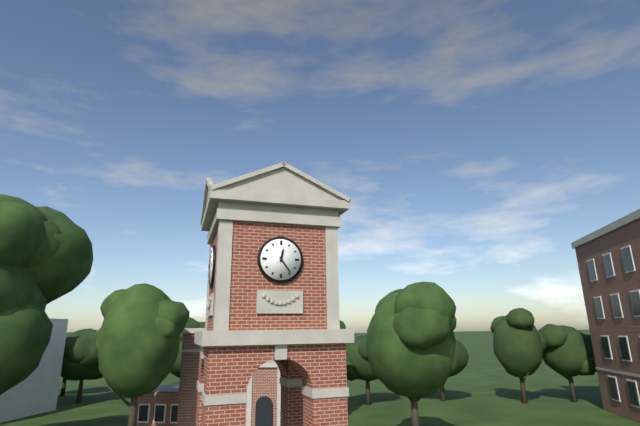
12:24
